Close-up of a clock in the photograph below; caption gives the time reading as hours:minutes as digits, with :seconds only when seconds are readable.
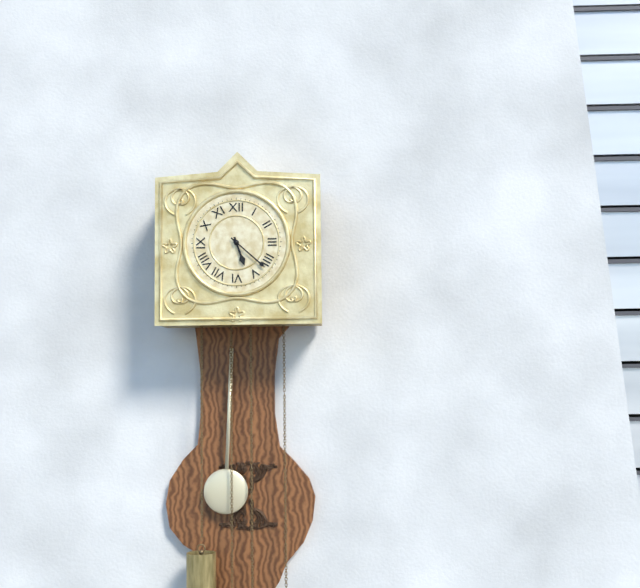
5:22
